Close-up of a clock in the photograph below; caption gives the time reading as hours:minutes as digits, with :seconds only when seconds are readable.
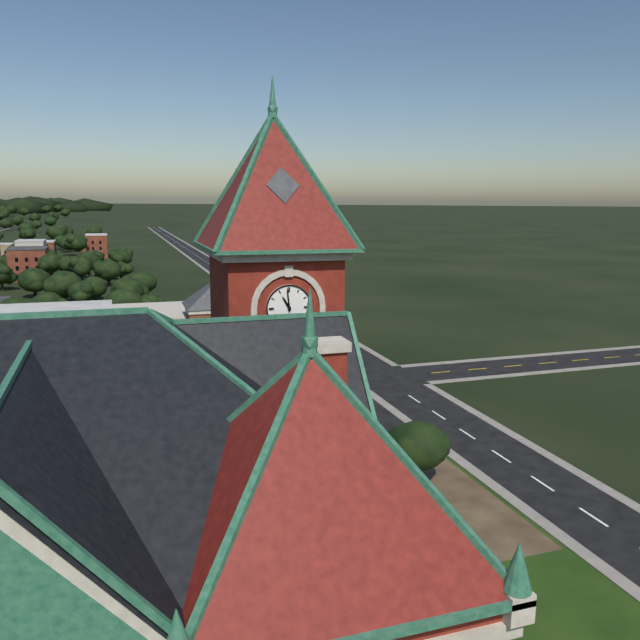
10:59
